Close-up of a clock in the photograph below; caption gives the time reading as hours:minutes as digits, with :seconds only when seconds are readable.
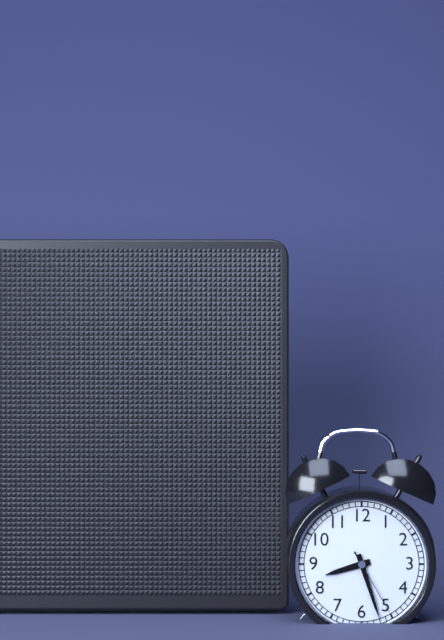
8:27:25
